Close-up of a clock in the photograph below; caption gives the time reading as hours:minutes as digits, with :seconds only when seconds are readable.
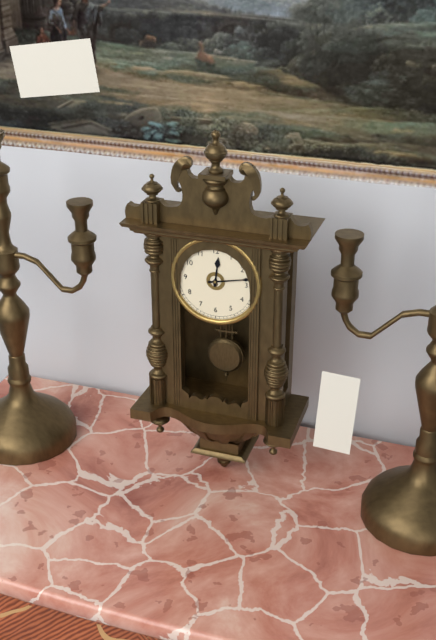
12:13
